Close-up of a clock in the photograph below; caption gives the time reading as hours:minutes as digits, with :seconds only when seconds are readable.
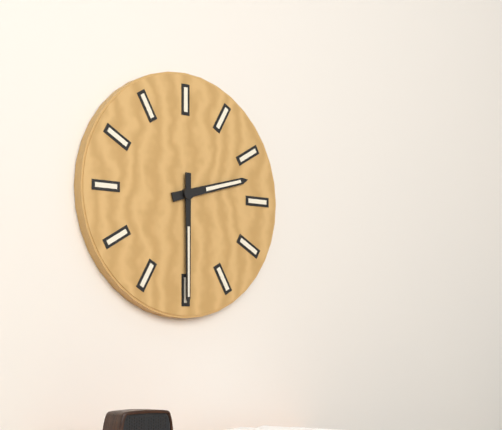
2:30
